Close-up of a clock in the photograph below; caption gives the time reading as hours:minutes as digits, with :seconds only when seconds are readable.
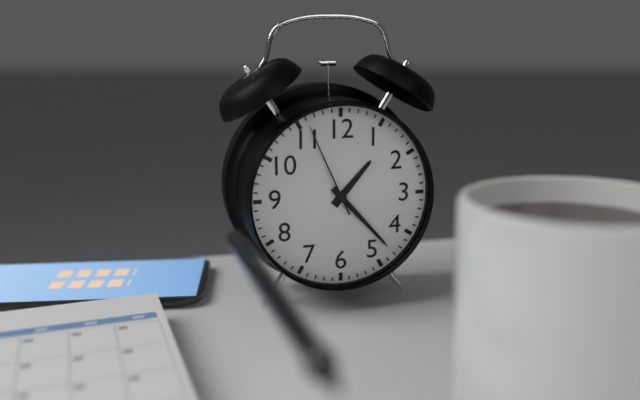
1:23:56
